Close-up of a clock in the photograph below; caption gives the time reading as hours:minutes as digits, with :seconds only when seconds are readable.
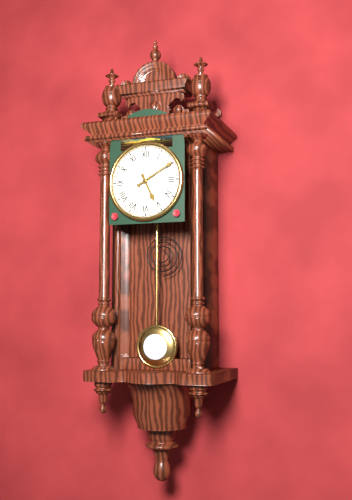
5:10
